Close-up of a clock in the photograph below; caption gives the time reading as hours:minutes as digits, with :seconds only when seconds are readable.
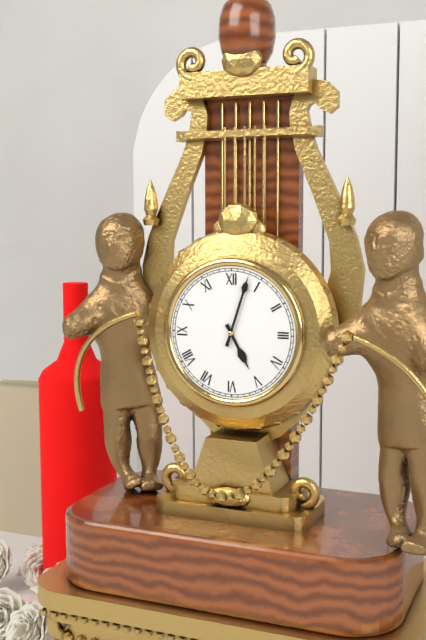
5:03
